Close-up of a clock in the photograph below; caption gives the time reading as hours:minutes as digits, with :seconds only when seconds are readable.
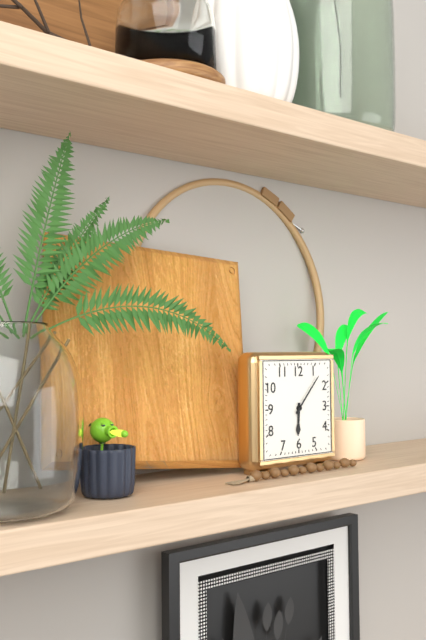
6:07
